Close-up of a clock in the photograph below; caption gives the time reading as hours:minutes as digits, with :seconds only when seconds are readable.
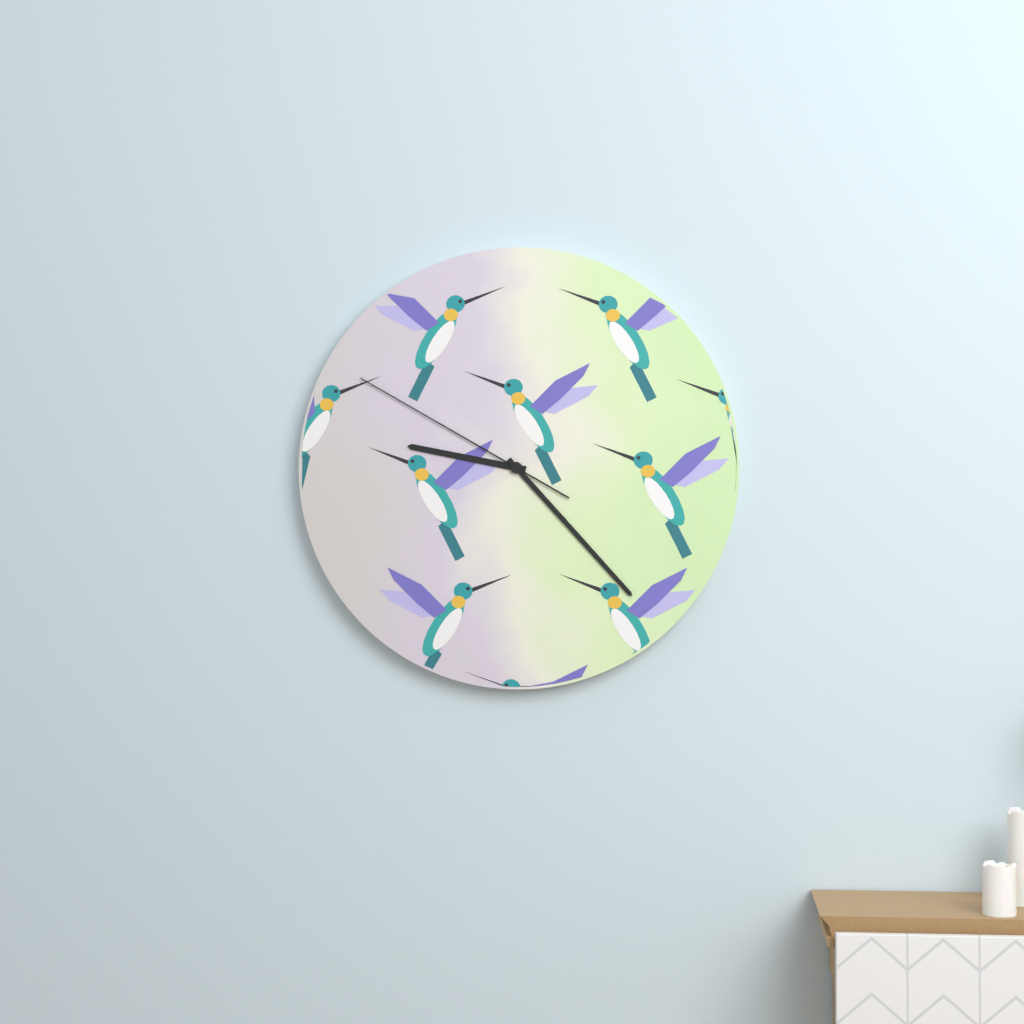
9:23:50
